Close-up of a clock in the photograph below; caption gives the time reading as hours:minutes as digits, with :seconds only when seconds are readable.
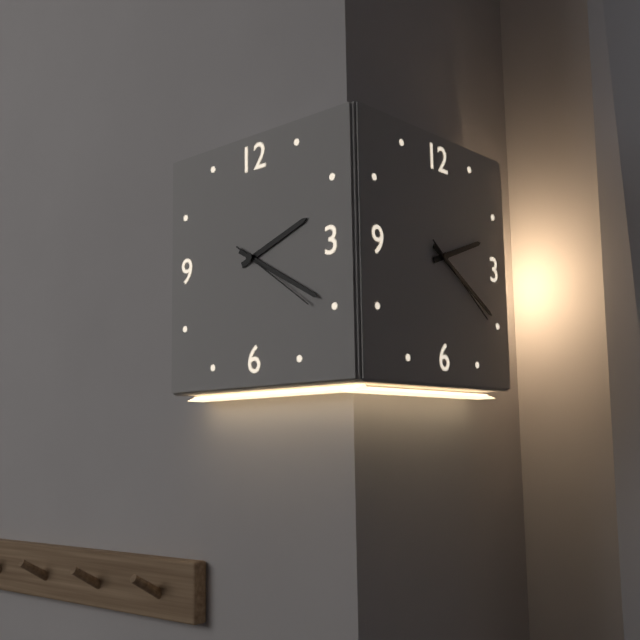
2:20:21
